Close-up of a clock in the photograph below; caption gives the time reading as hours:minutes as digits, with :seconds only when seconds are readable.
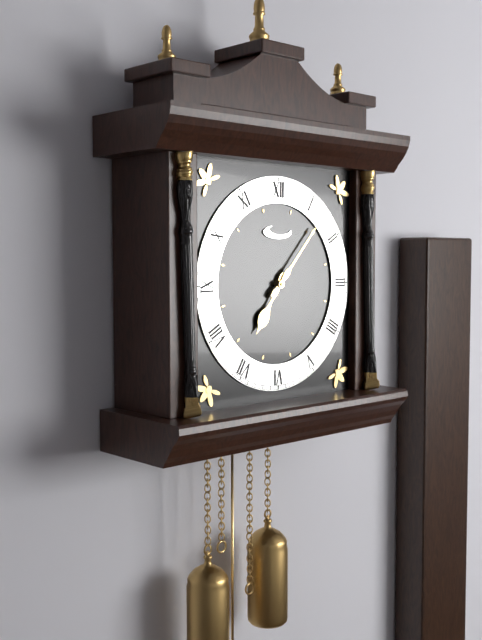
7:07
